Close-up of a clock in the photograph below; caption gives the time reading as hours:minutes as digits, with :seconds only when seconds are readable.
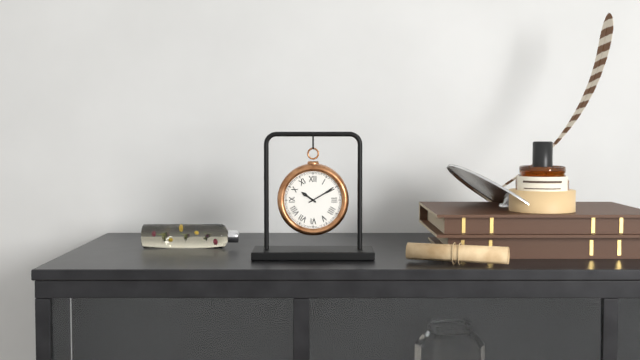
10:10
